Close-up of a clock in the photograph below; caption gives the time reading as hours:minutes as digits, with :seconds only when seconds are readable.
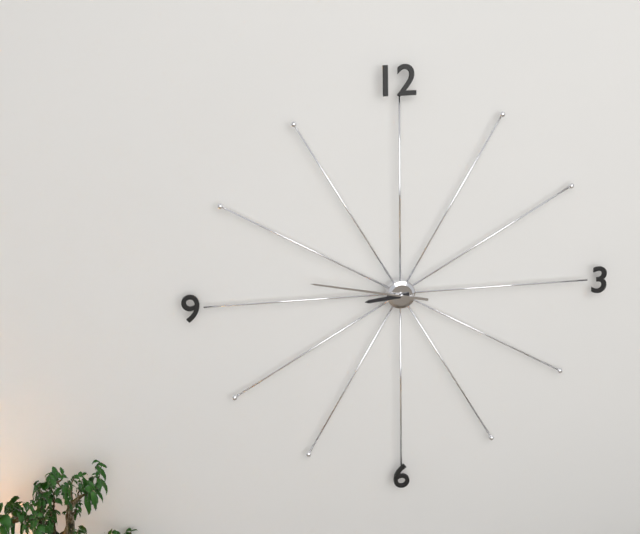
8:47
